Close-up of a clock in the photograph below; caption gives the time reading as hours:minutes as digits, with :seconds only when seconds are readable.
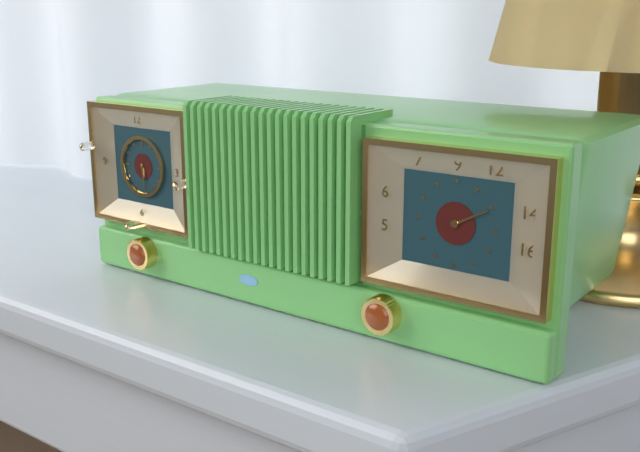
5:29
